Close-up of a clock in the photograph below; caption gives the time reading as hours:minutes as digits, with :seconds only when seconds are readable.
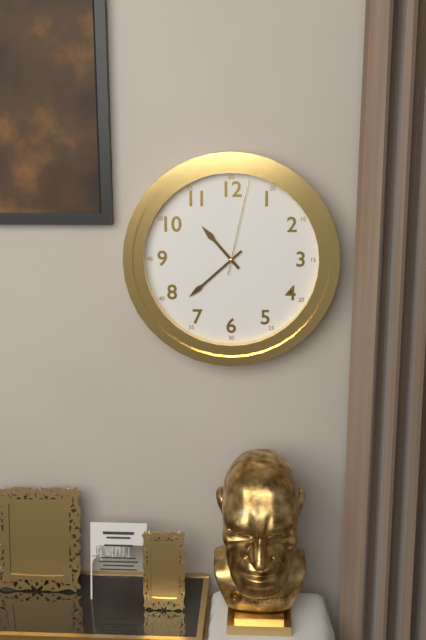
10:38:02
